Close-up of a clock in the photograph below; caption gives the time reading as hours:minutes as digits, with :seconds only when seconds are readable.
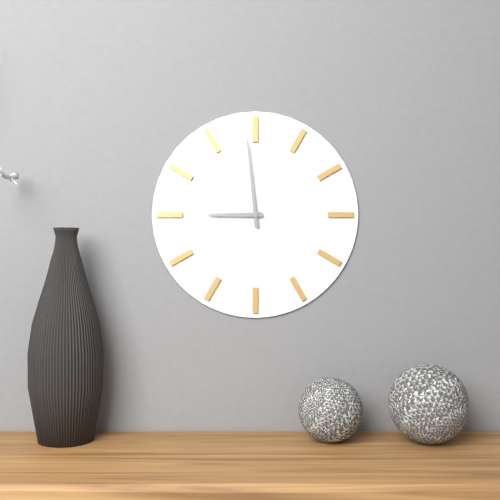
8:59
